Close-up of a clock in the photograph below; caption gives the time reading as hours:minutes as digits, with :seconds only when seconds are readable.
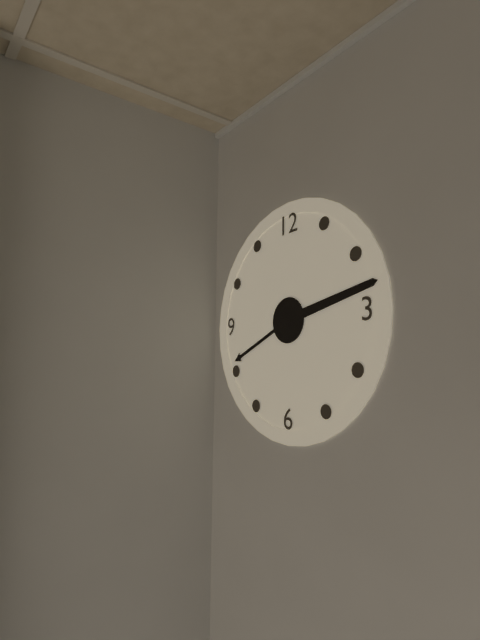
8:13
